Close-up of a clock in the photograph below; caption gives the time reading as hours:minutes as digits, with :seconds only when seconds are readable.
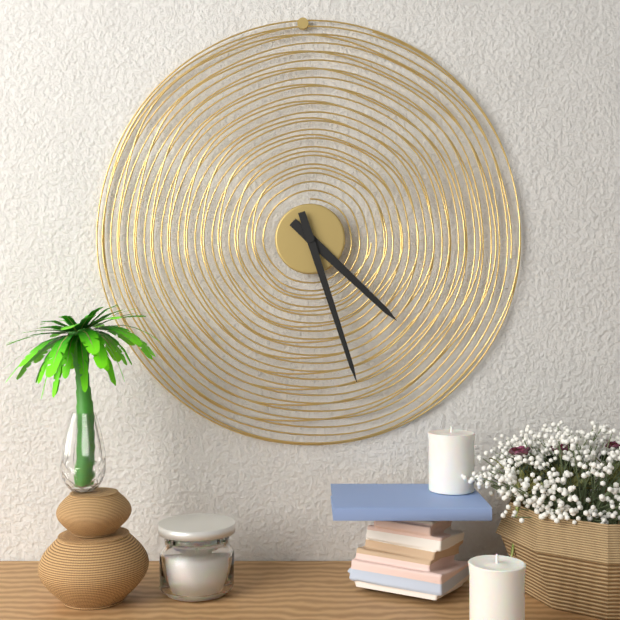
4:27
